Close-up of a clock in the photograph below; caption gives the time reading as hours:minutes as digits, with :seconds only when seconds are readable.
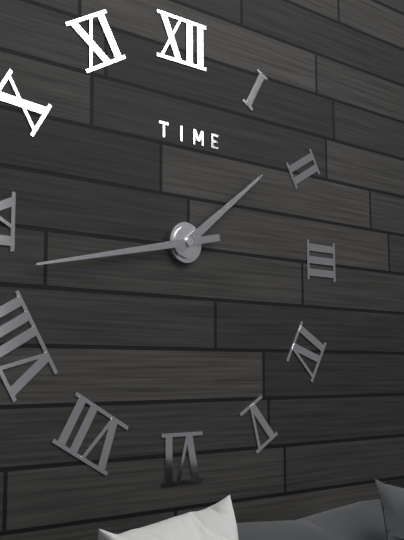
1:43
